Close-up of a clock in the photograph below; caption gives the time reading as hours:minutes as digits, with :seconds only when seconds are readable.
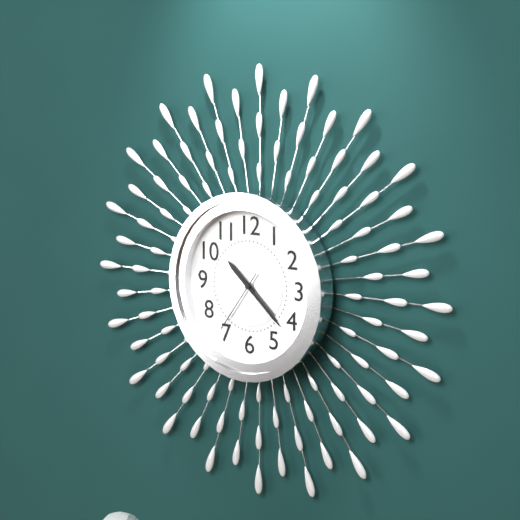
10:22:36
